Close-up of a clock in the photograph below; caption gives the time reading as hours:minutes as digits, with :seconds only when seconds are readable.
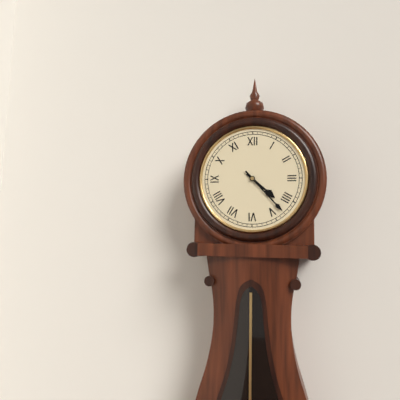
4:23
